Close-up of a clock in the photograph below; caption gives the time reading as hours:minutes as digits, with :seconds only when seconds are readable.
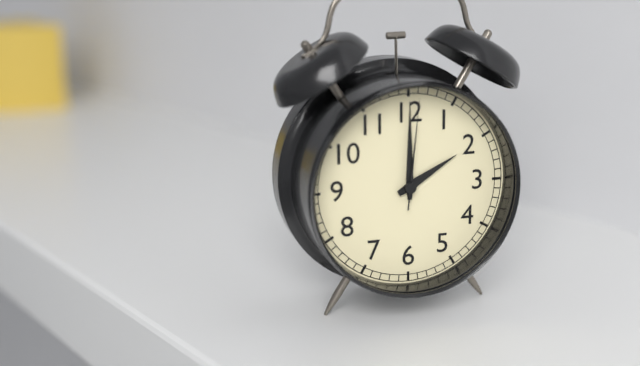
2:00:01
